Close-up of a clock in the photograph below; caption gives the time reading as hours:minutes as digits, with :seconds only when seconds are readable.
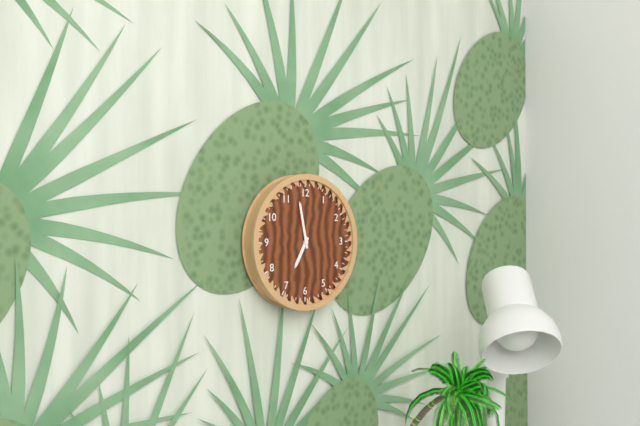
6:58
